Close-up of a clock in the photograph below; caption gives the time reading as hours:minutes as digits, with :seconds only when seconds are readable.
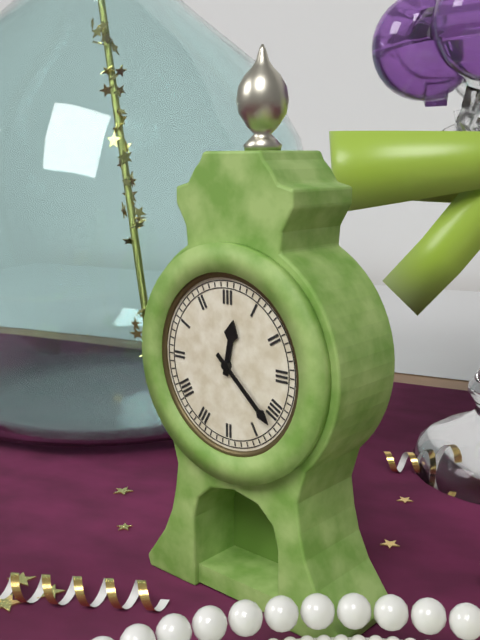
12:22
